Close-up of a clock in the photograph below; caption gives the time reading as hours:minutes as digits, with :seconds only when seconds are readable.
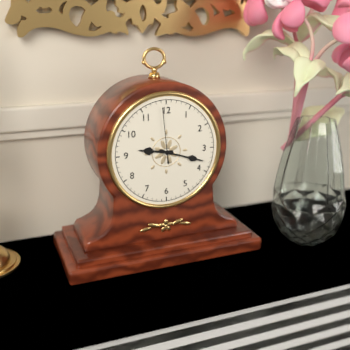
9:18:59
